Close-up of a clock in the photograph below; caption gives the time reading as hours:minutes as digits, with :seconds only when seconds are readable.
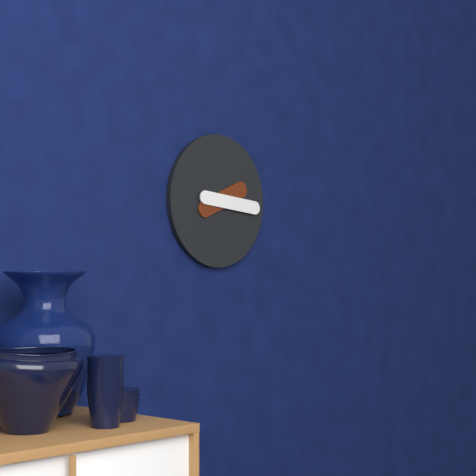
2:16
